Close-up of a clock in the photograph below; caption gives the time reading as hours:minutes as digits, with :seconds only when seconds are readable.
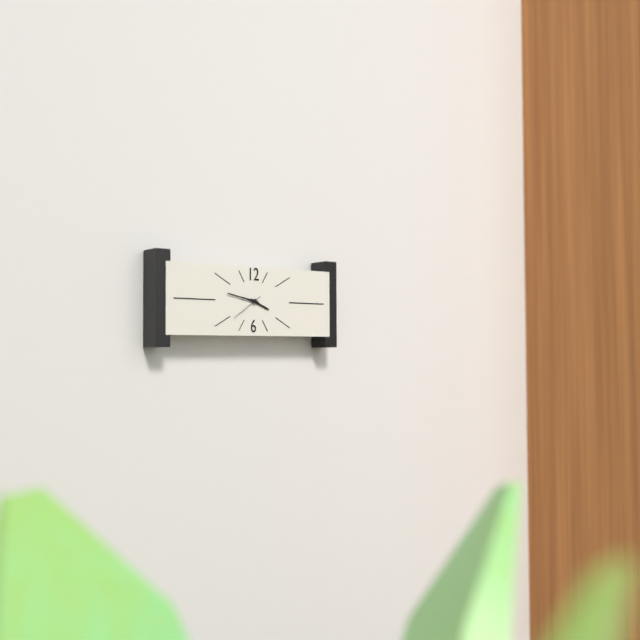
3:47
